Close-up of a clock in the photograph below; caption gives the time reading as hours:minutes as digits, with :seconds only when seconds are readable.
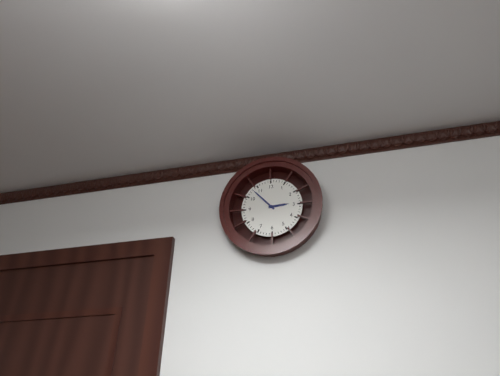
2:53
